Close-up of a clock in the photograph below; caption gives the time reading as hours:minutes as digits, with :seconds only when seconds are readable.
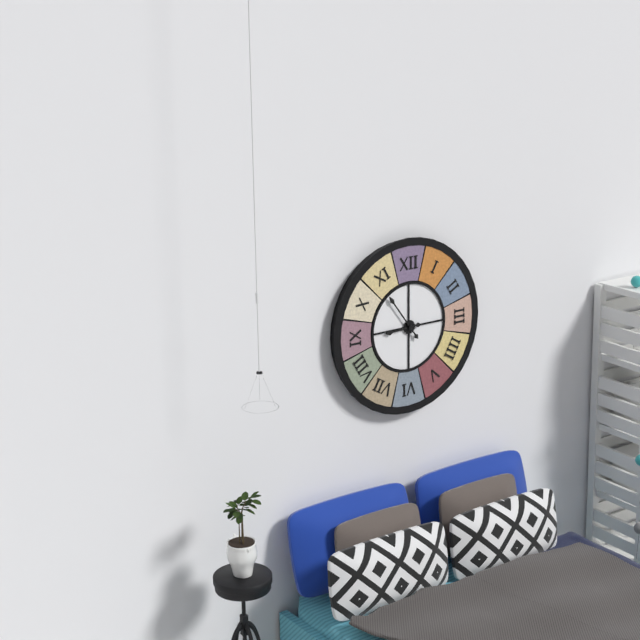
8:54
